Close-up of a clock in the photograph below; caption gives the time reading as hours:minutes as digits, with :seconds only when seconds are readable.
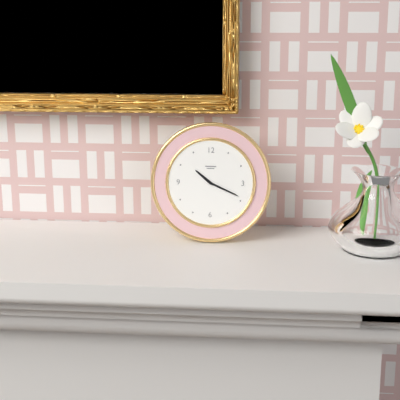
10:19
